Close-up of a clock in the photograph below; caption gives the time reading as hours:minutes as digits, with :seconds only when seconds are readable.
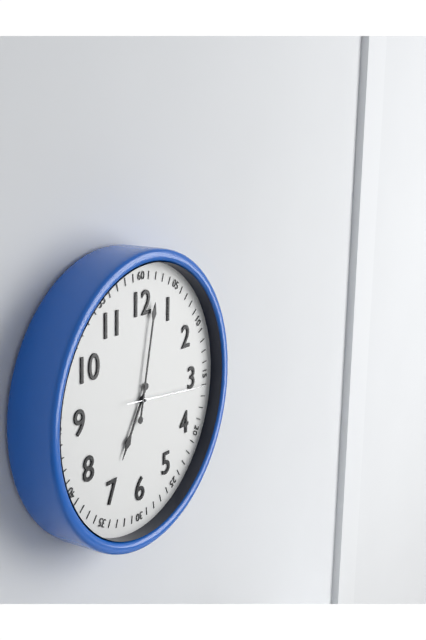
7:02:16
